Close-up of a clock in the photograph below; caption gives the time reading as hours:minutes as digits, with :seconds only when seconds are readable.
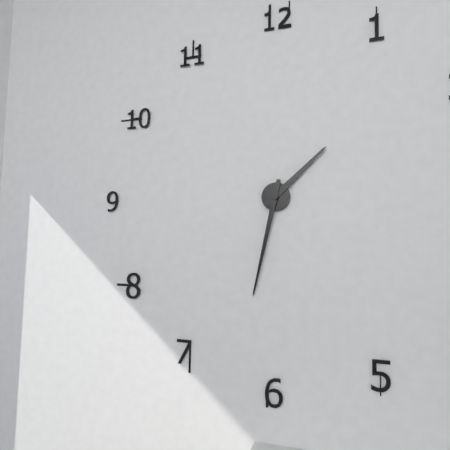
1:32
